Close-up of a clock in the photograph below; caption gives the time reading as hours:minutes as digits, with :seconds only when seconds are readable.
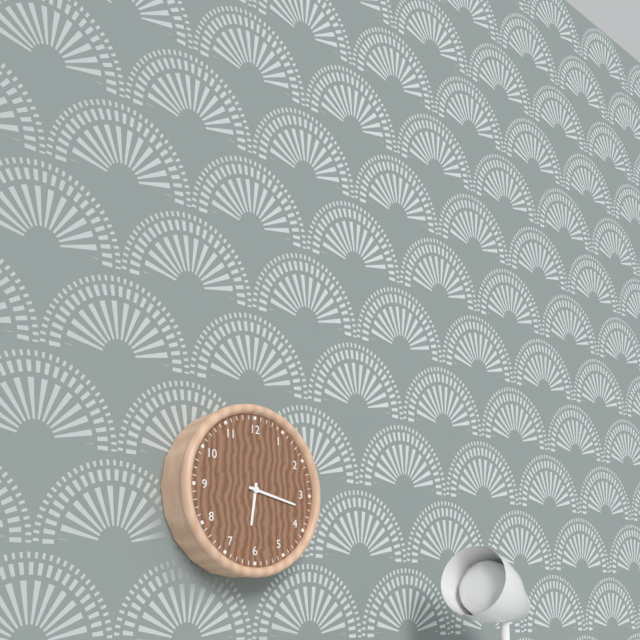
6:17
